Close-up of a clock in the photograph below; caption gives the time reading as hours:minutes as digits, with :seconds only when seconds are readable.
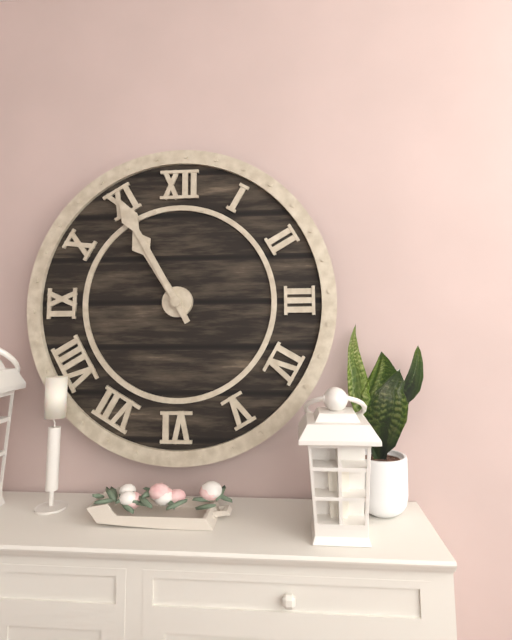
10:55
